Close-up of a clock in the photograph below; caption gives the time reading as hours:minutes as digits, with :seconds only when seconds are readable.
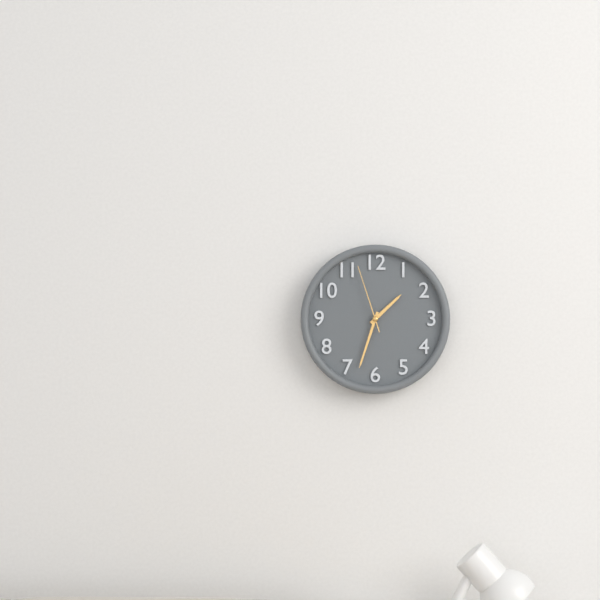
1:33:57
